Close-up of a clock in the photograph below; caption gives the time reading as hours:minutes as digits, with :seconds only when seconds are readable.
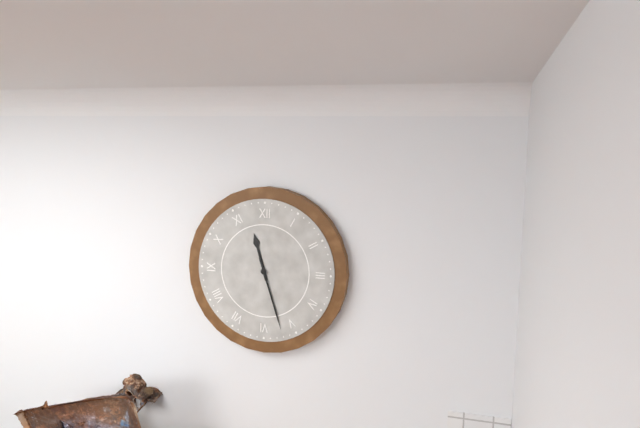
11:27
